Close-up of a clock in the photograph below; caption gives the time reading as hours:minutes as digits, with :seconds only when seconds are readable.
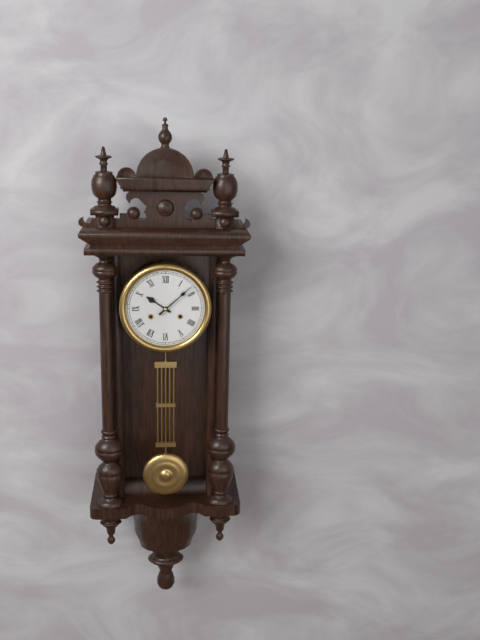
10:08
